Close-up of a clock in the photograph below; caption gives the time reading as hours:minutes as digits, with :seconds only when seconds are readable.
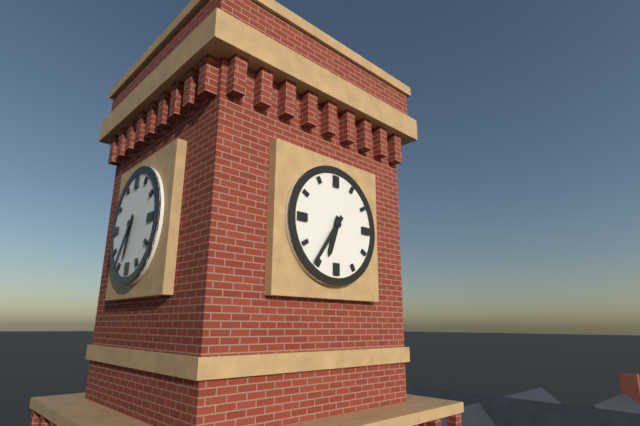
6:36
